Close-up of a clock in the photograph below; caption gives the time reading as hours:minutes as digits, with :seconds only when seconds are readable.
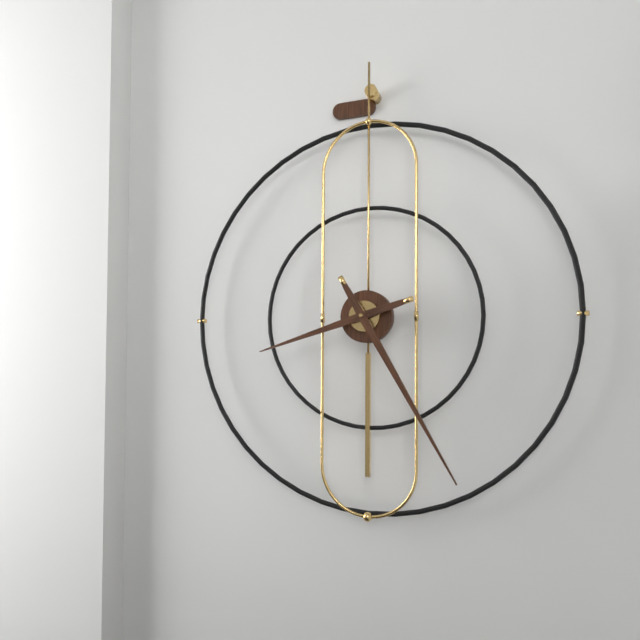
8:25
